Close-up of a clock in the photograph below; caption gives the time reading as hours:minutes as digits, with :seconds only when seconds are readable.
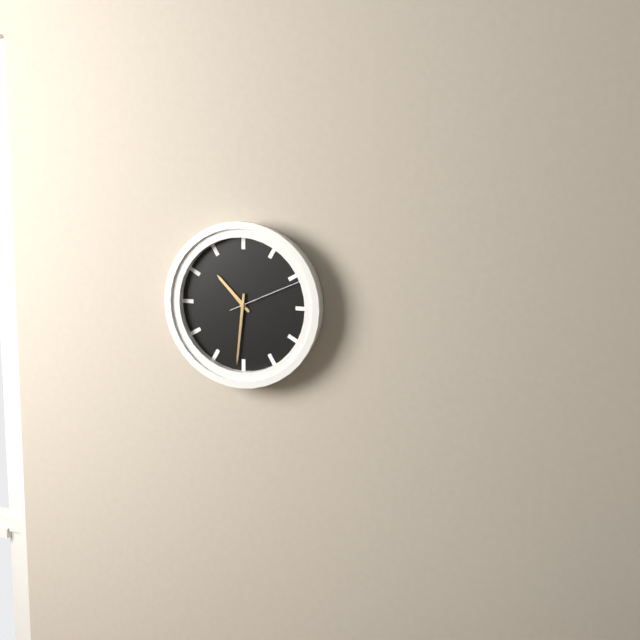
10:31:11
